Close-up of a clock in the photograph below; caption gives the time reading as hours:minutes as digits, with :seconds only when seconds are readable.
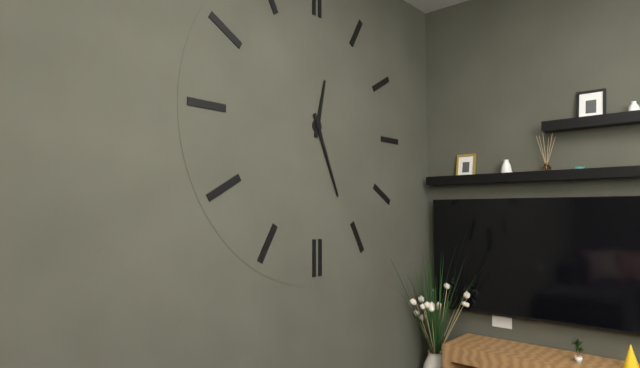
12:26
